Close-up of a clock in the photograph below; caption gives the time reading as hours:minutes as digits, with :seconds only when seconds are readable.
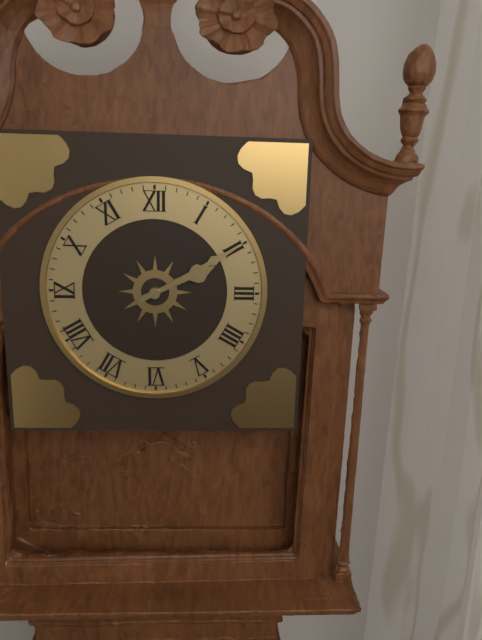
2:10
